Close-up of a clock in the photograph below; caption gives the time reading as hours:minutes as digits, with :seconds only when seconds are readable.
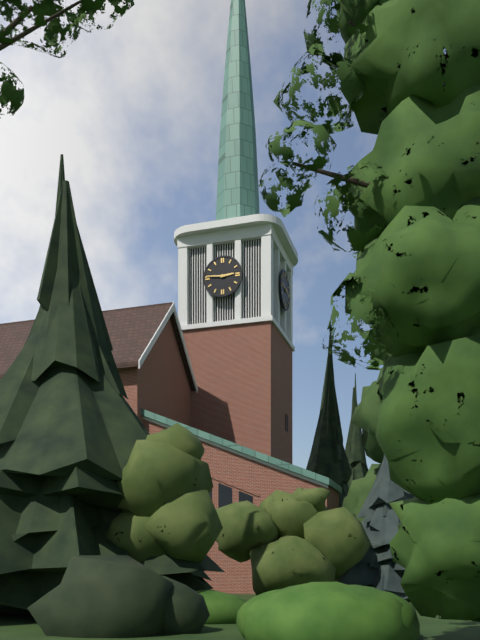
2:46
